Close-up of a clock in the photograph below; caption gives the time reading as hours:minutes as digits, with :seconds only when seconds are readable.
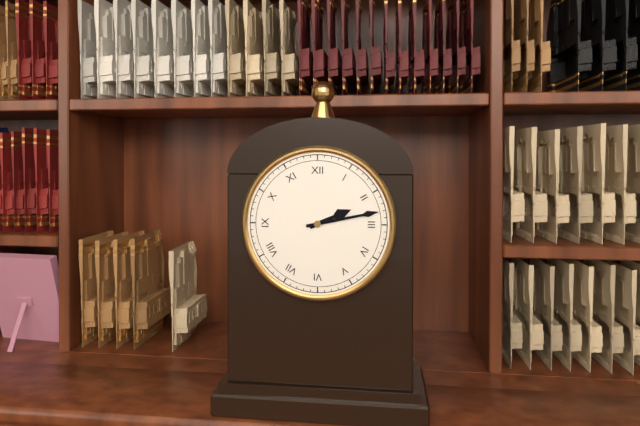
2:13
